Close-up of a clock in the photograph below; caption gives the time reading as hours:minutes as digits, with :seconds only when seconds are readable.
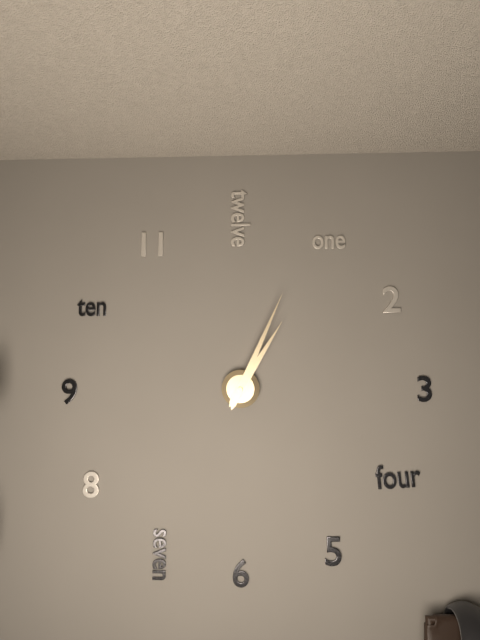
1:04
